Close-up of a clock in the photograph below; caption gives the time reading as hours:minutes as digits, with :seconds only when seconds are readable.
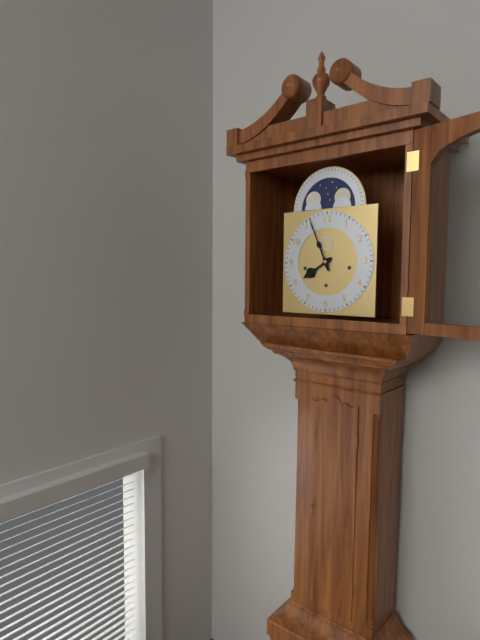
7:56
